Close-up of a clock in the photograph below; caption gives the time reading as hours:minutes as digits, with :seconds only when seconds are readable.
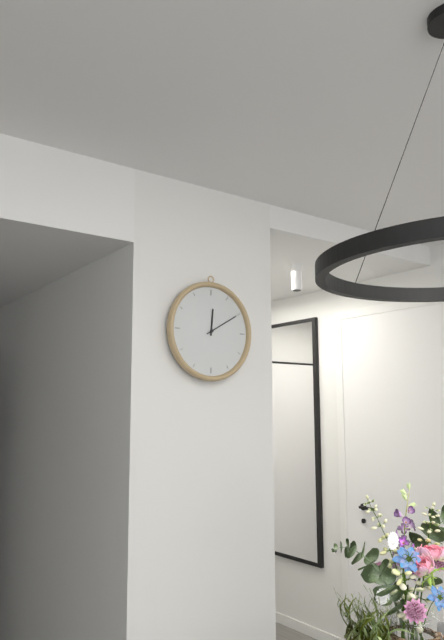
12:10
